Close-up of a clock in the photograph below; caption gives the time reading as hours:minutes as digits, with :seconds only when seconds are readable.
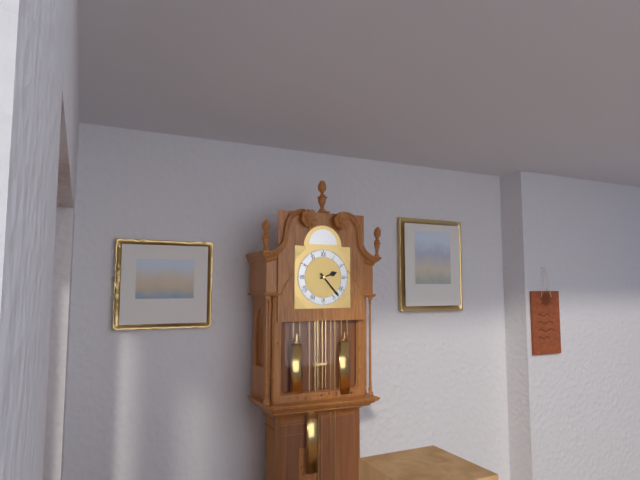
2:23
